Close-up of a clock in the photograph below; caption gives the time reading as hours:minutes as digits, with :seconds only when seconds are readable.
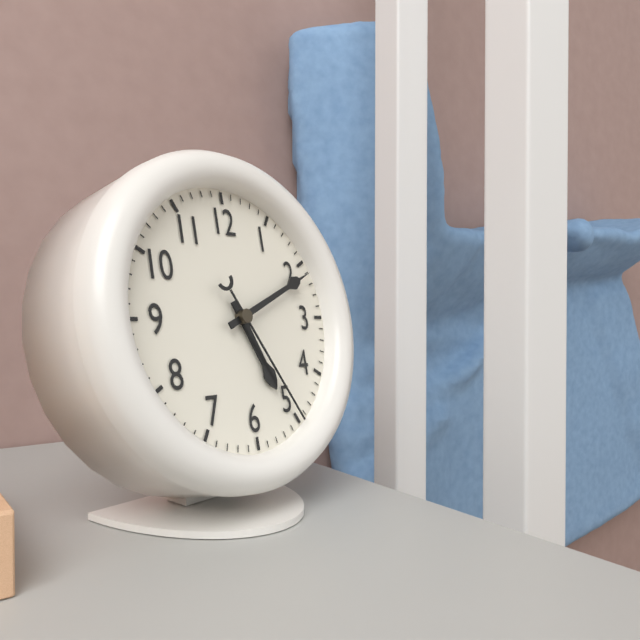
5:11:25
